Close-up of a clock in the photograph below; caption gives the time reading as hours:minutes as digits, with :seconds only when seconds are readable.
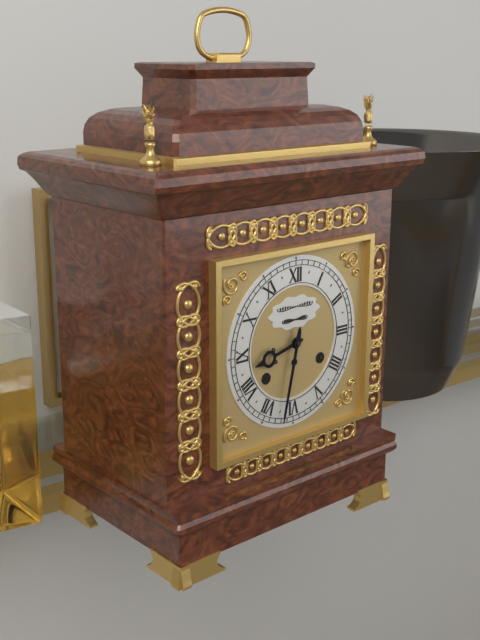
8:32
